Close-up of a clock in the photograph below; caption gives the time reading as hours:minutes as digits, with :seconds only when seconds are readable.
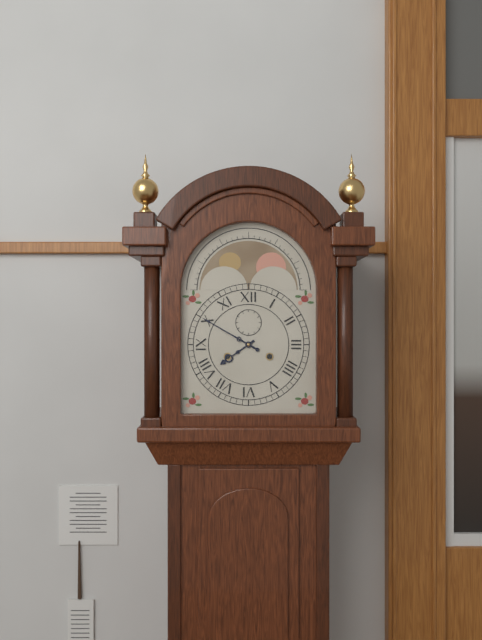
7:50
